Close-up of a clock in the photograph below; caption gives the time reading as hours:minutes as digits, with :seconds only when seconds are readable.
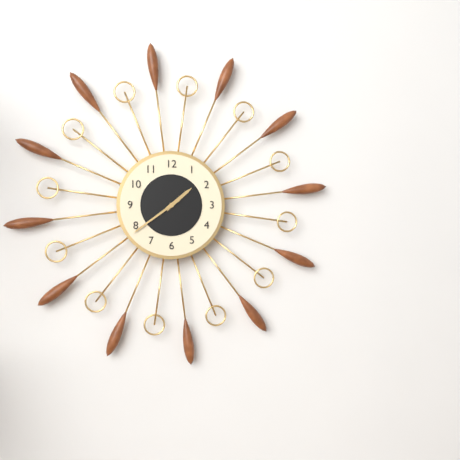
1:39
